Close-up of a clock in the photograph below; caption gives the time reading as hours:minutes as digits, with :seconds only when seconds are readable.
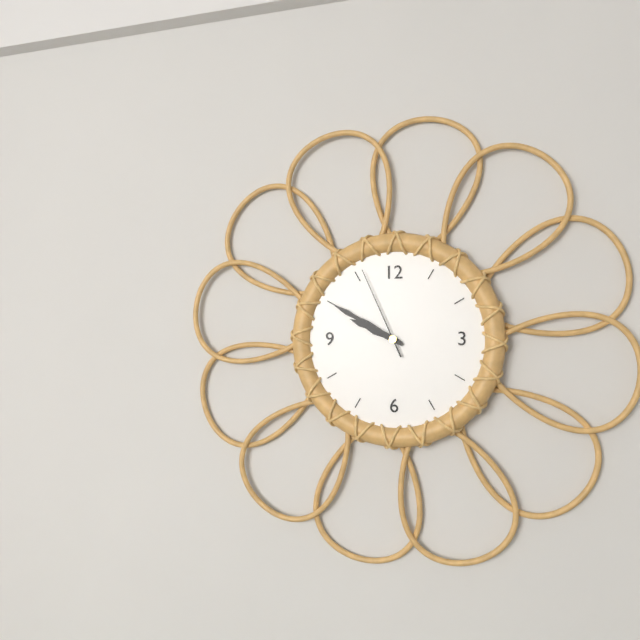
9:50:56
